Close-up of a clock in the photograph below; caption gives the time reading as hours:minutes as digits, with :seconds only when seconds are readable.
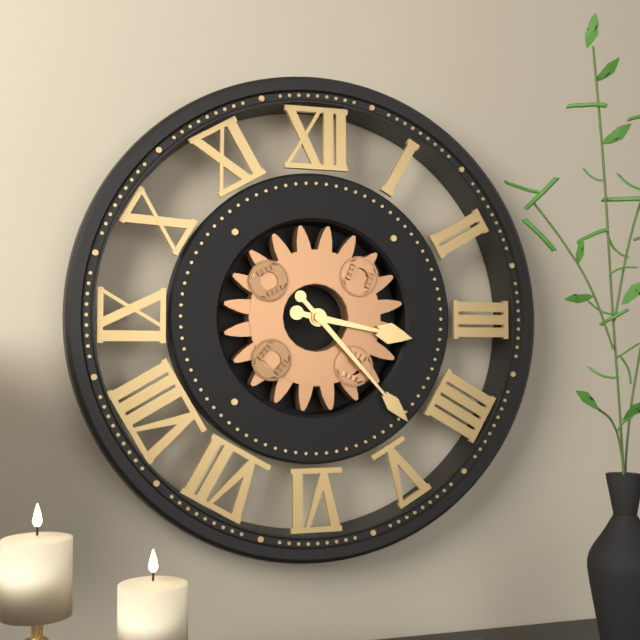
3:23
